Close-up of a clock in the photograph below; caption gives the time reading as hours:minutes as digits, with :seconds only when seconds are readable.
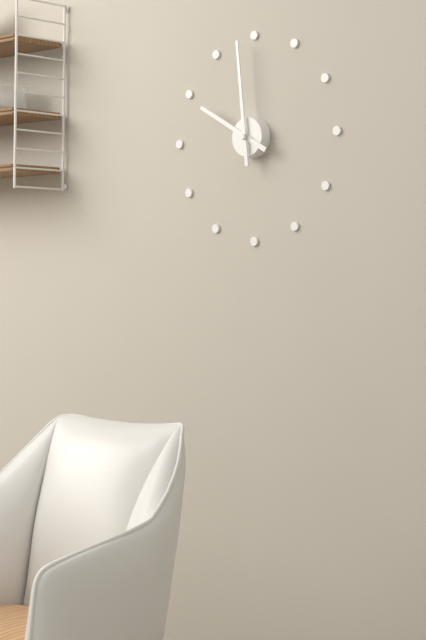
9:59
